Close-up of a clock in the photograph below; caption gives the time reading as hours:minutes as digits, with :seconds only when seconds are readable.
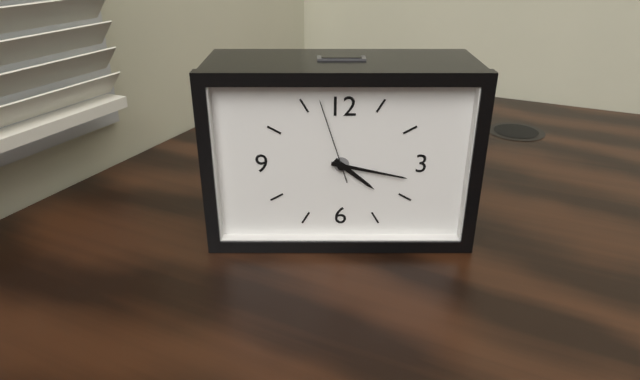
4:17:57
